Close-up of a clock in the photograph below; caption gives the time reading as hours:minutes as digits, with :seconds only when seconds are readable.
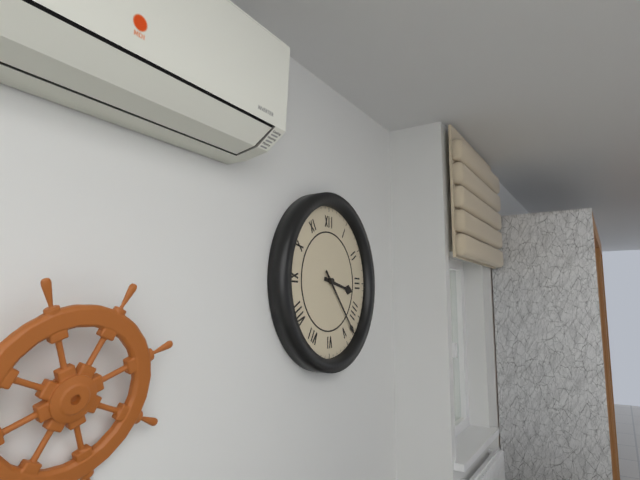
3:23
